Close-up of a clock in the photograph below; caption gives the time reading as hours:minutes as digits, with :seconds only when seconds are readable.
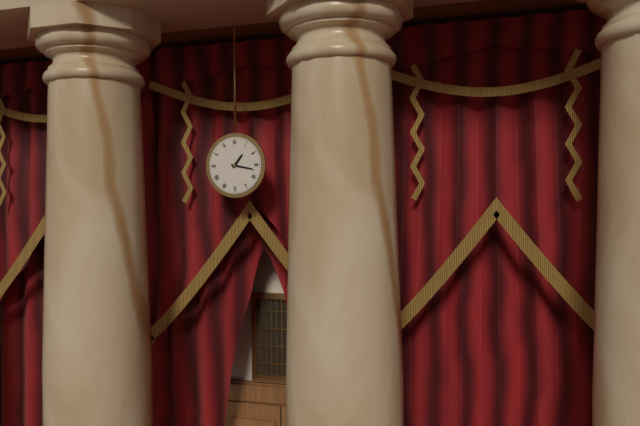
1:17
